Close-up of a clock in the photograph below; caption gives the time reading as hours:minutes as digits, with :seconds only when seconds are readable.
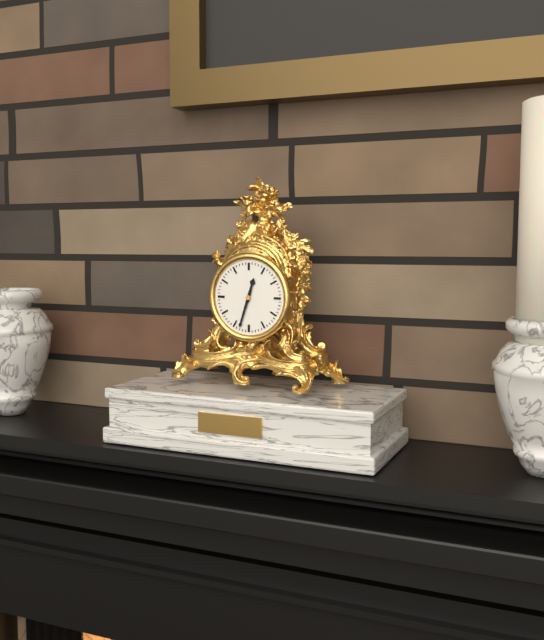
12:33
